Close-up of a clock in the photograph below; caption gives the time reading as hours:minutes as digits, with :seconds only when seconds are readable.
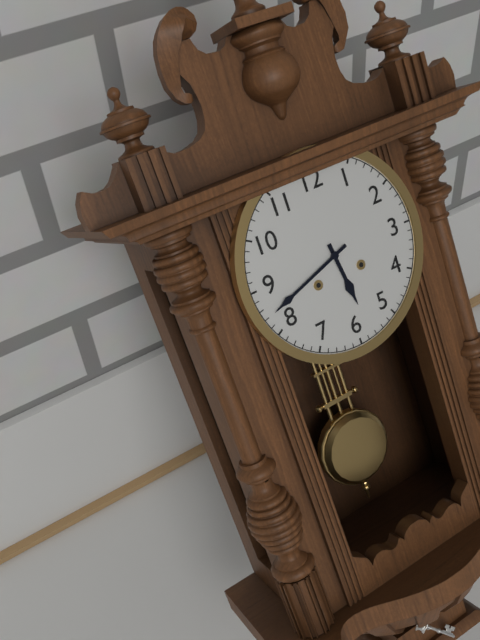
5:42
